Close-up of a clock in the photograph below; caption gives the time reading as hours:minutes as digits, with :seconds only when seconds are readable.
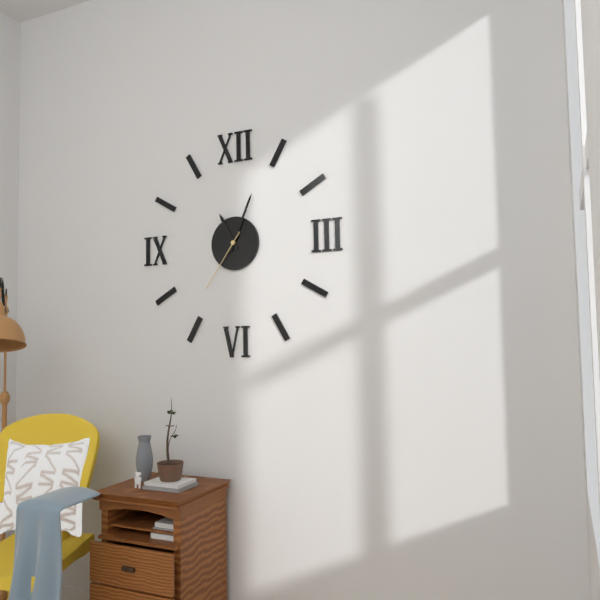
11:04:36
